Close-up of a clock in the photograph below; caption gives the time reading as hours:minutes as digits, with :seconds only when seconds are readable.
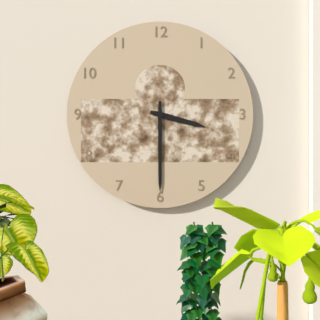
3:30
